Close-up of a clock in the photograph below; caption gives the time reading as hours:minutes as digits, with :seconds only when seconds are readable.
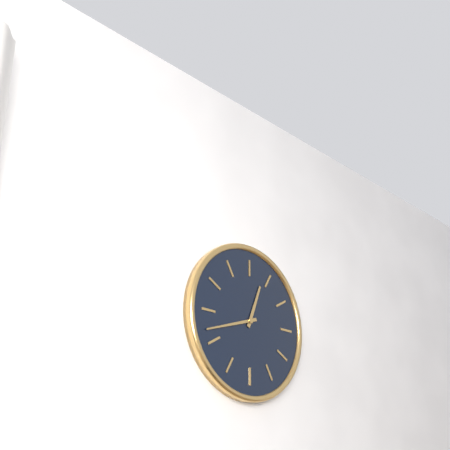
12:42
